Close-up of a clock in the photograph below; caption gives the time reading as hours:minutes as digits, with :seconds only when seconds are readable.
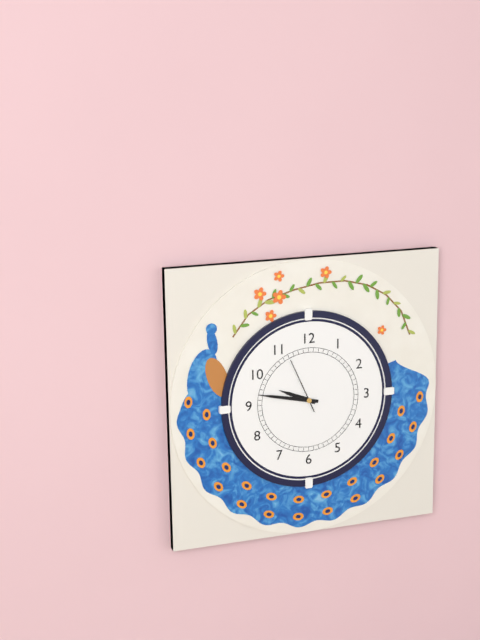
9:47:56
